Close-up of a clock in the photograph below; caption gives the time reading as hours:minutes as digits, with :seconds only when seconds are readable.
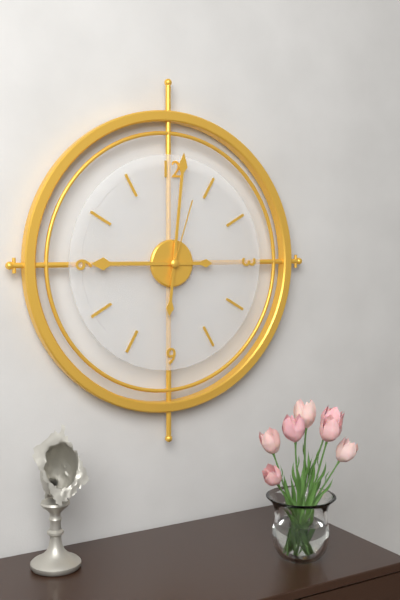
9:01:03
